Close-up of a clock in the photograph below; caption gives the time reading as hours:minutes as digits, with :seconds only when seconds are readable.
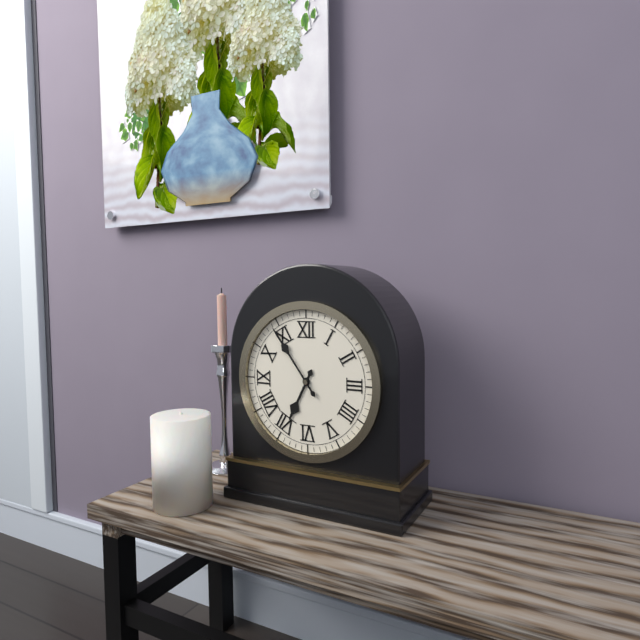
6:54
